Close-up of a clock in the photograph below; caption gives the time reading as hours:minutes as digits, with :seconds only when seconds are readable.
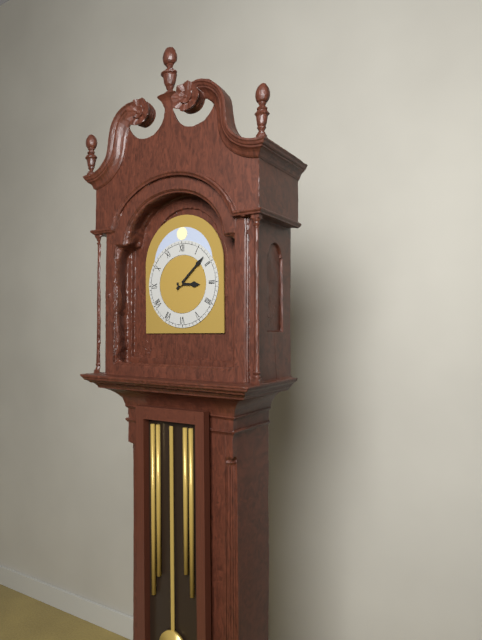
3:08
